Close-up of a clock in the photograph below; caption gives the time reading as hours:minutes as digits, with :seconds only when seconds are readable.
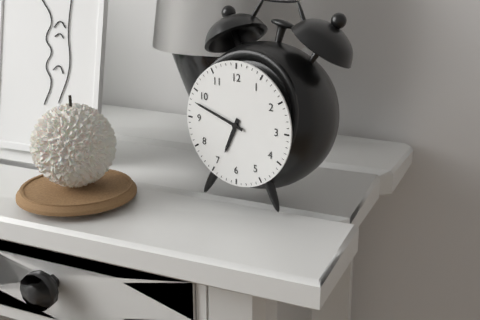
6:48
